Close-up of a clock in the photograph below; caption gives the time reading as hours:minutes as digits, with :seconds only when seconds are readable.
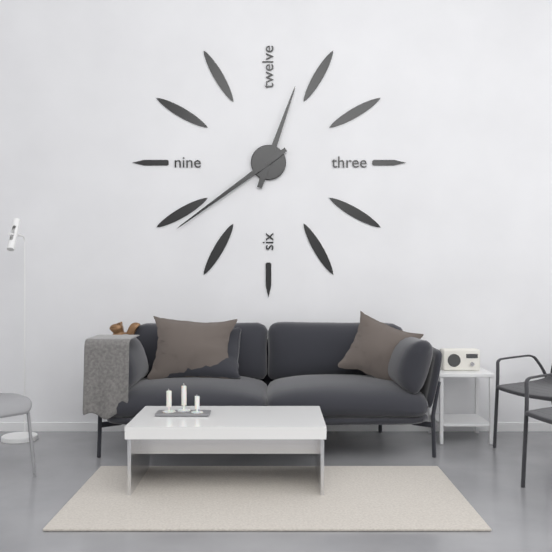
12:39
